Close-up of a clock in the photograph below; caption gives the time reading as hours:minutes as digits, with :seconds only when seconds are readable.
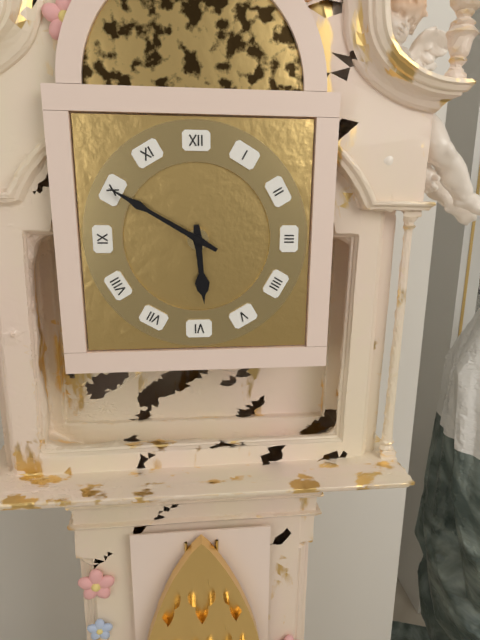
5:50
